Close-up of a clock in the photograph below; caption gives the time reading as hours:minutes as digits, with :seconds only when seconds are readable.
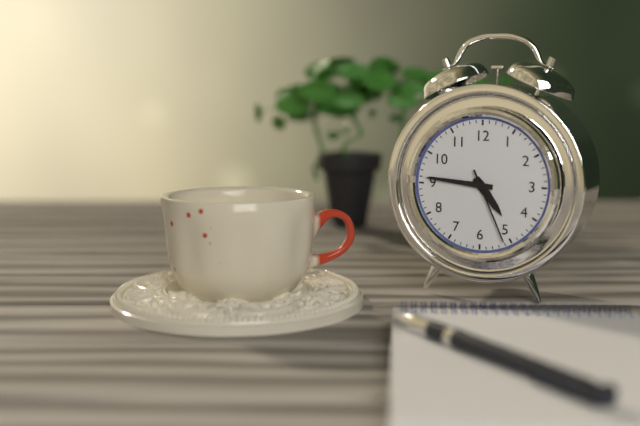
4:46:26
